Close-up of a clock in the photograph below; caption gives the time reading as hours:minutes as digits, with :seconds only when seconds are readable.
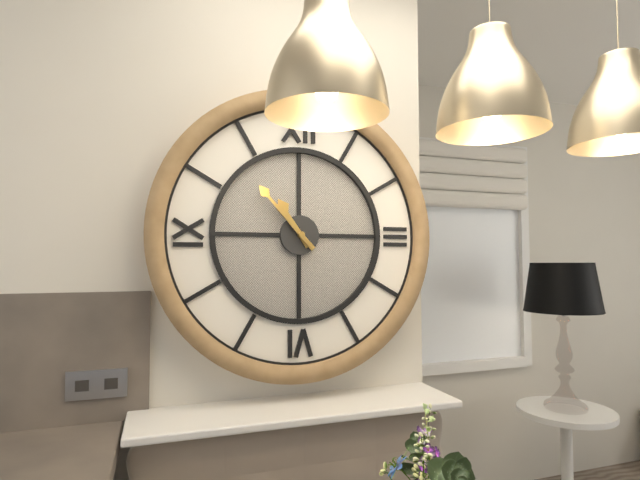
10:53
